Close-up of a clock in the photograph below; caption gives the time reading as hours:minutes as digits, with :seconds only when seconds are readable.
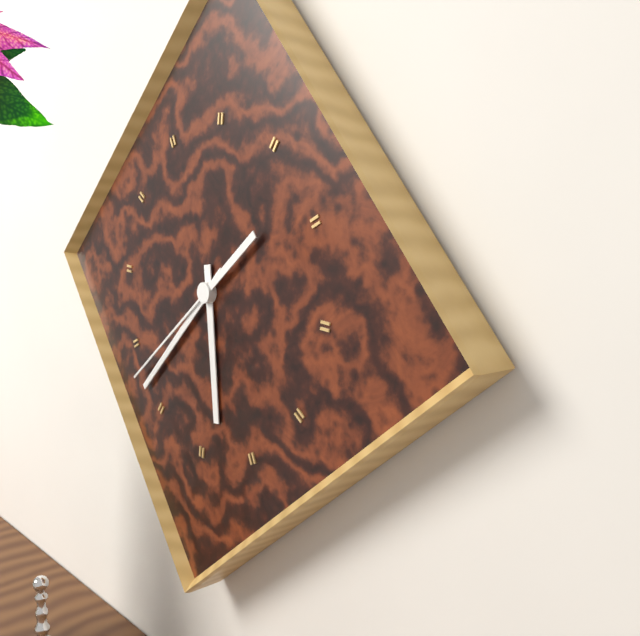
5:37:38
